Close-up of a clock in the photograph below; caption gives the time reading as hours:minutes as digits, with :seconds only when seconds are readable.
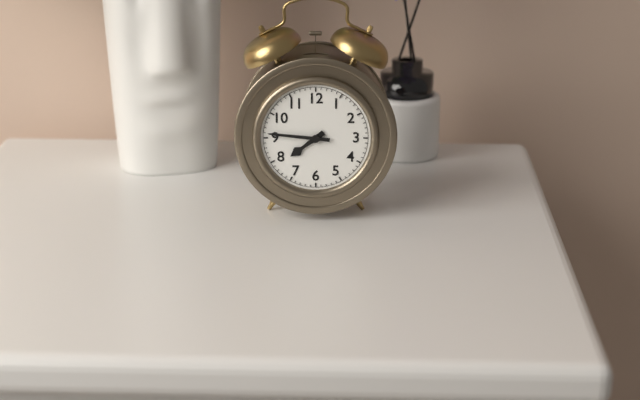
7:46
